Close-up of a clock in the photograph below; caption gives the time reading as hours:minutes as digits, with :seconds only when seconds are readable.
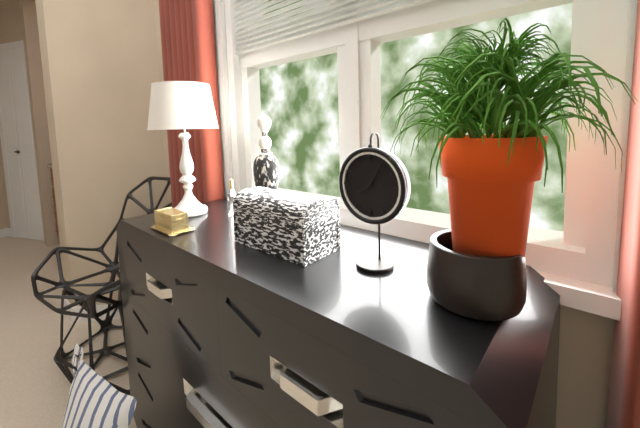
8:05
